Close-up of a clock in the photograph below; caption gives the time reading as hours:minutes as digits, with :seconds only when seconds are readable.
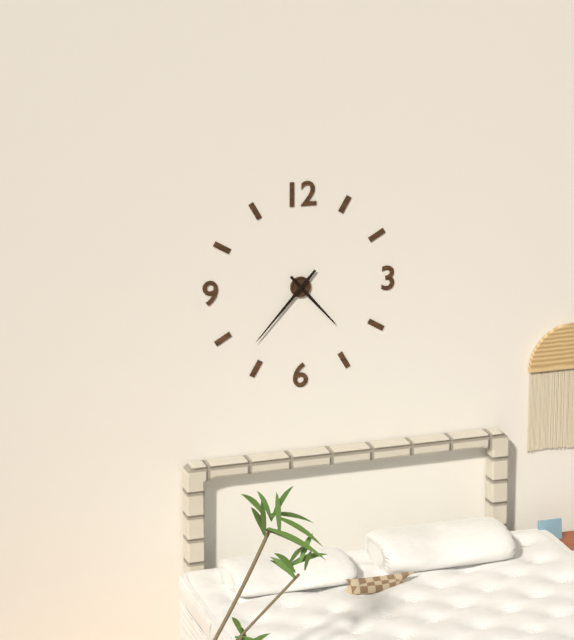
4:37
